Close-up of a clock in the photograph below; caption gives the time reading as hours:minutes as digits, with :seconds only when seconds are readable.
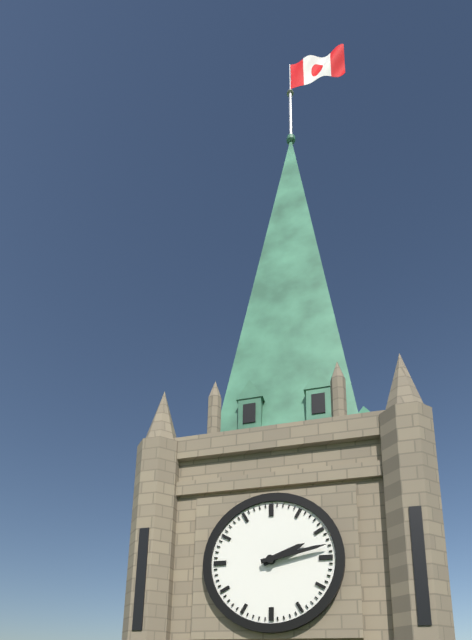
2:13
